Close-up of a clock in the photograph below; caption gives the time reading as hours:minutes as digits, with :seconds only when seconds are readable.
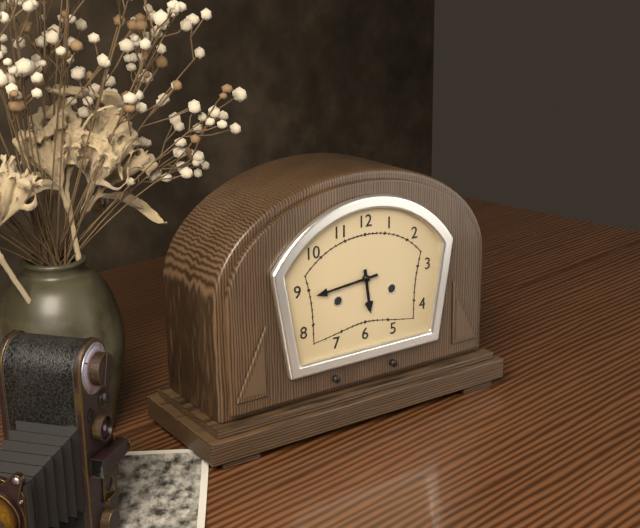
5:44
